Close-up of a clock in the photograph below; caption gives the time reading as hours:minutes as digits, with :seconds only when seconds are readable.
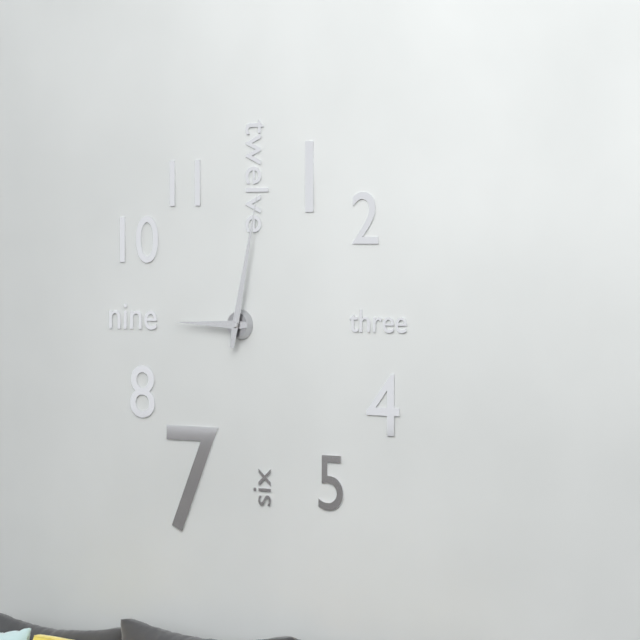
9:02
